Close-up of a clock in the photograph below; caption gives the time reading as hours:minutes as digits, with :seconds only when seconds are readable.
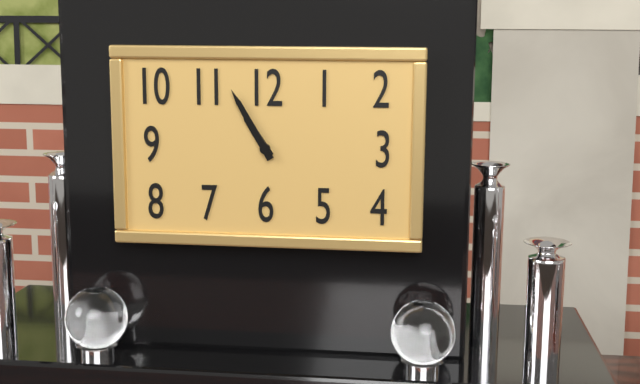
10:55
